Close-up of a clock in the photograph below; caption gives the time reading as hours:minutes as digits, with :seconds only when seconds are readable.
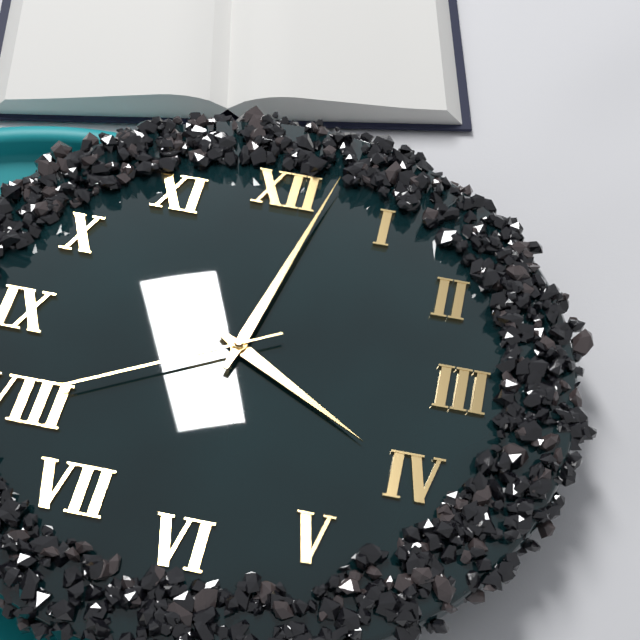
4:02:40
